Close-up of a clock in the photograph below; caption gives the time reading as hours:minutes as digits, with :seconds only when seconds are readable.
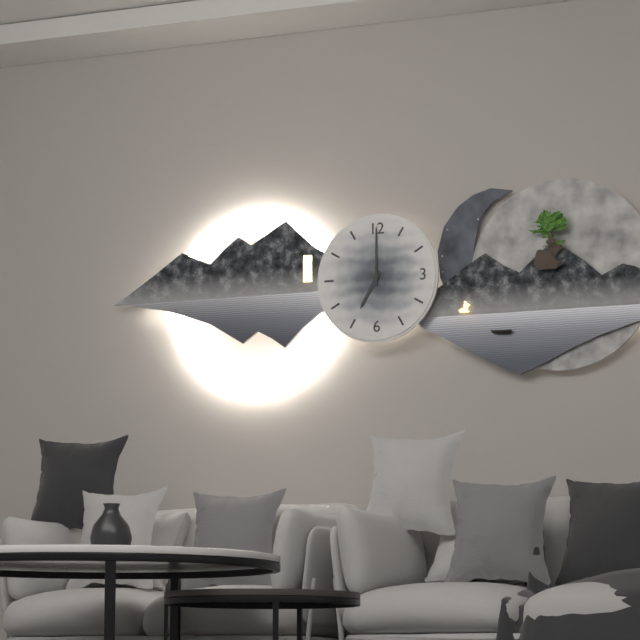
7:00
